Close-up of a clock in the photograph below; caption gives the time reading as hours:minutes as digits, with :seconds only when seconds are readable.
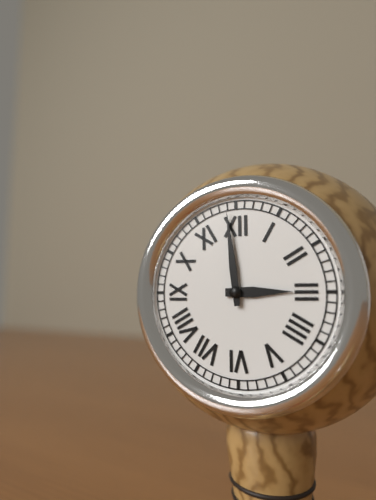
2:59
